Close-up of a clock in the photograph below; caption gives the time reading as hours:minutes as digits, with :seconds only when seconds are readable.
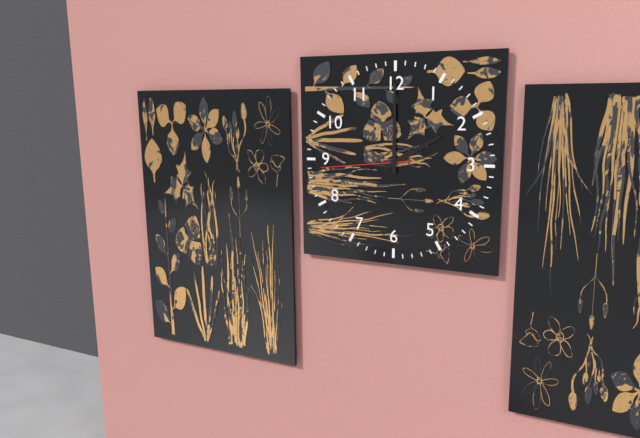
2:00:44
